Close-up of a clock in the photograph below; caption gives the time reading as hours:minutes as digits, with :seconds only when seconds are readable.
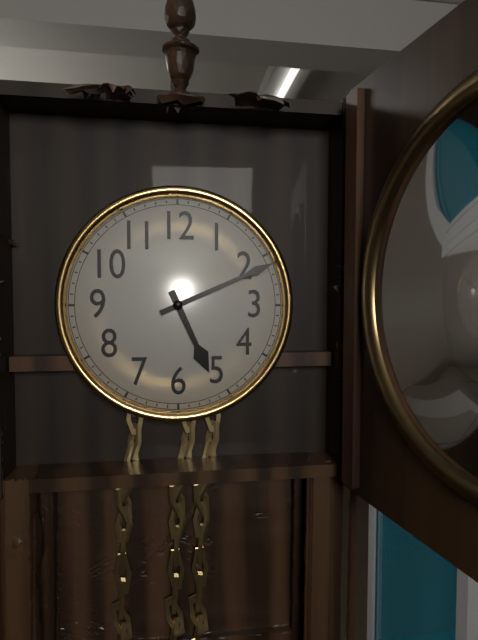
5:11
